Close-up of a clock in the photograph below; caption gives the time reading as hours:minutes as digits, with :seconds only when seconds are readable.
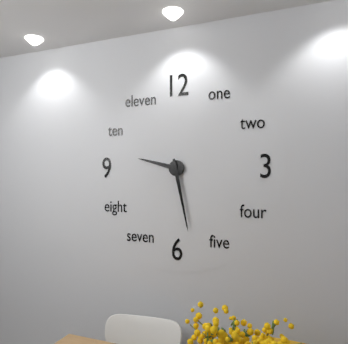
9:28
